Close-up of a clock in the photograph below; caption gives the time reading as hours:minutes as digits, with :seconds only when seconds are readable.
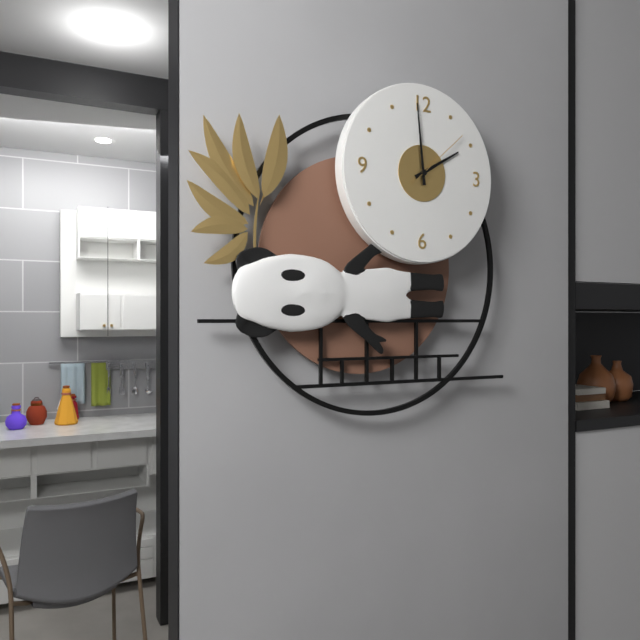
1:59:08
